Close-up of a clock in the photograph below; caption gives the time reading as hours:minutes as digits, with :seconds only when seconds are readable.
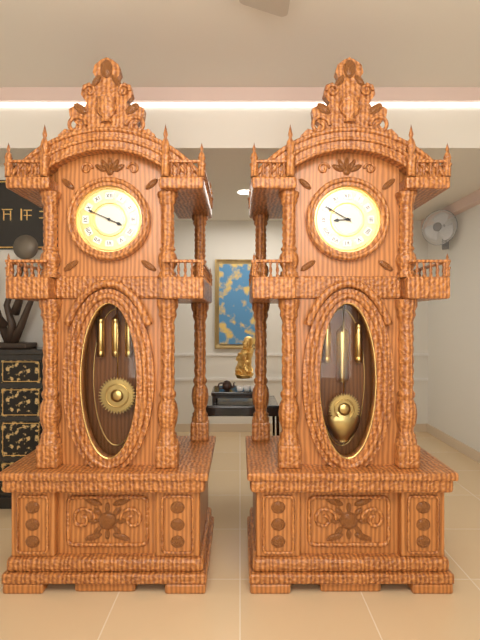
3:49
